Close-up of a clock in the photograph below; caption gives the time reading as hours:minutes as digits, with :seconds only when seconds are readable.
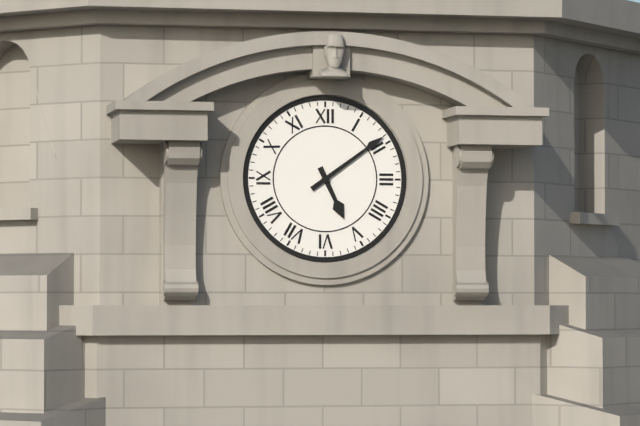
5:09
